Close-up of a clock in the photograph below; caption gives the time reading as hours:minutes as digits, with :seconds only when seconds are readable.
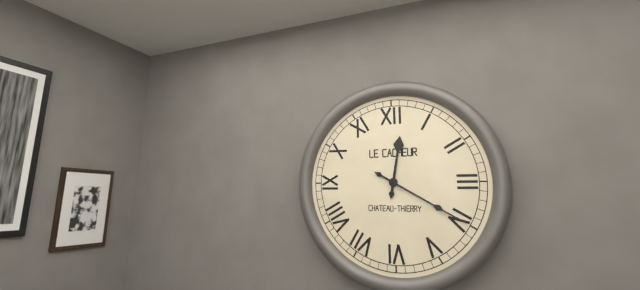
12:20
